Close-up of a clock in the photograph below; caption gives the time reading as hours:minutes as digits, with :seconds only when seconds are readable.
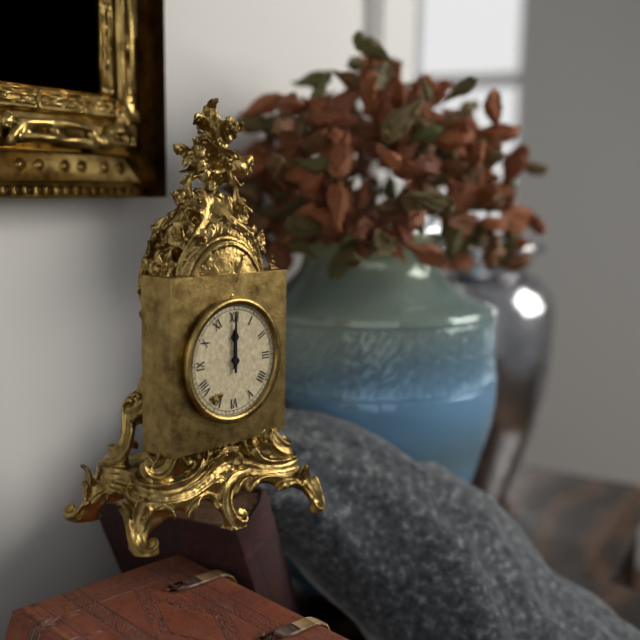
12:00
